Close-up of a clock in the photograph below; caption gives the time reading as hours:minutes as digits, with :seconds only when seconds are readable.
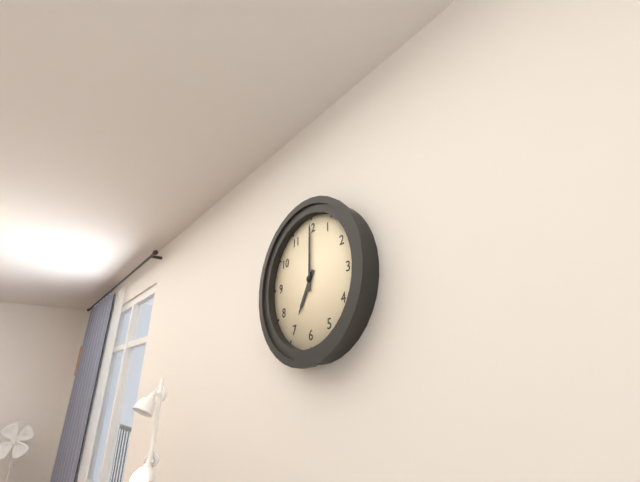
7:00
